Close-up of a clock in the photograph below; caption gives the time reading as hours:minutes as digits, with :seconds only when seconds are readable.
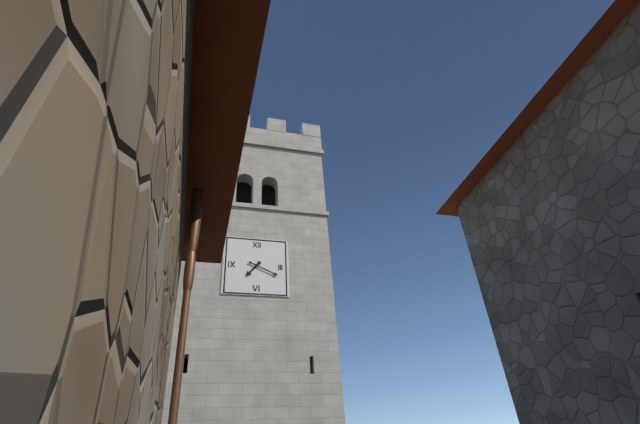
7:19
